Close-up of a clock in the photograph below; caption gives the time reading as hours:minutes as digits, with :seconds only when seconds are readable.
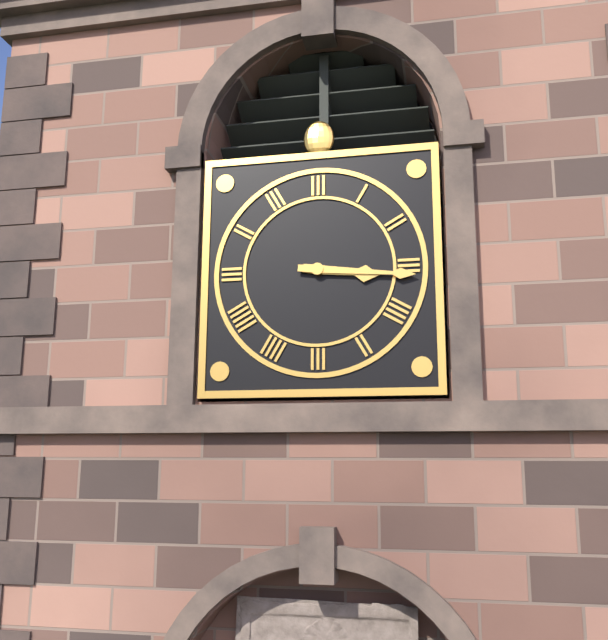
3:16
